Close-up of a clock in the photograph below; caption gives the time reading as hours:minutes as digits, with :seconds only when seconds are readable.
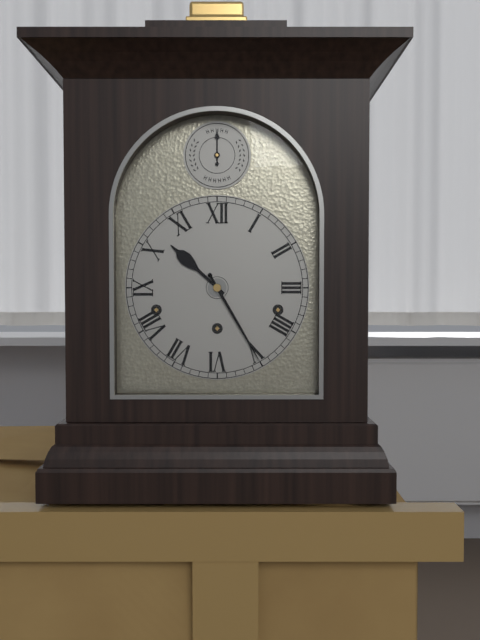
10:25
